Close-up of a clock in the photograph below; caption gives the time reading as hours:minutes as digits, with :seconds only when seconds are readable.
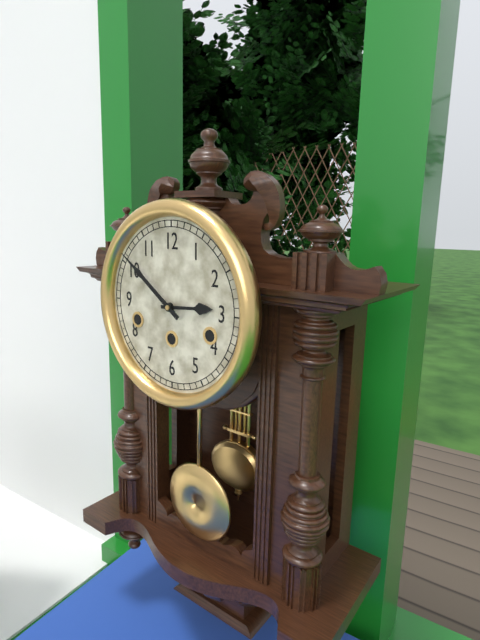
2:51
